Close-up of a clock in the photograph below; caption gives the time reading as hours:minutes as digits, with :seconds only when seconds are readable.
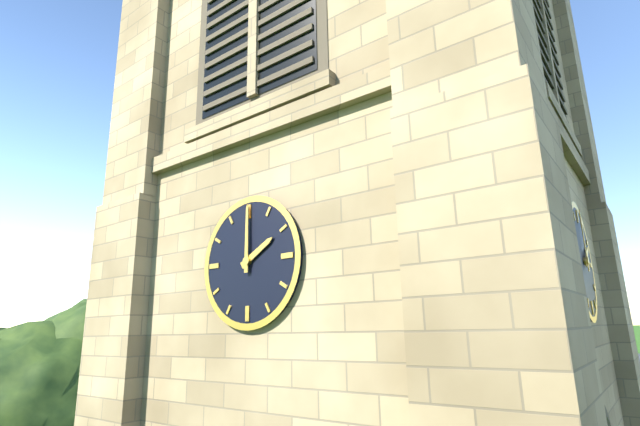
2:00
